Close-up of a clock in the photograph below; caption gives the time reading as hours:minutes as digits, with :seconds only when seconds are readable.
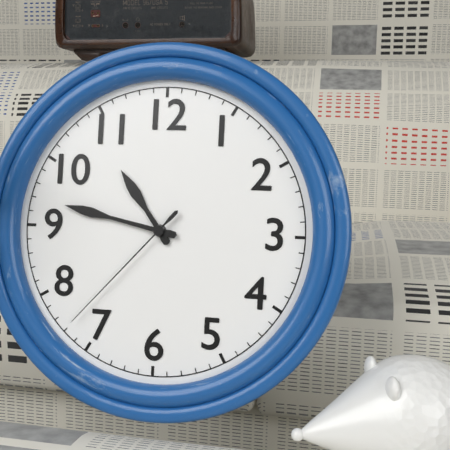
10:47:37
